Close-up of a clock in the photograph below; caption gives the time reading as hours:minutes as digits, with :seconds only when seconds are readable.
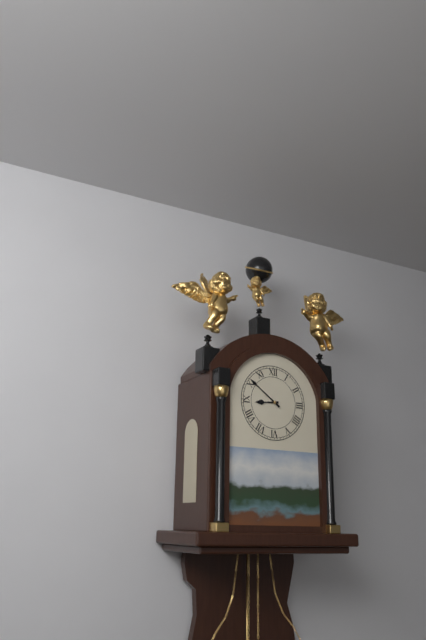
8:51
